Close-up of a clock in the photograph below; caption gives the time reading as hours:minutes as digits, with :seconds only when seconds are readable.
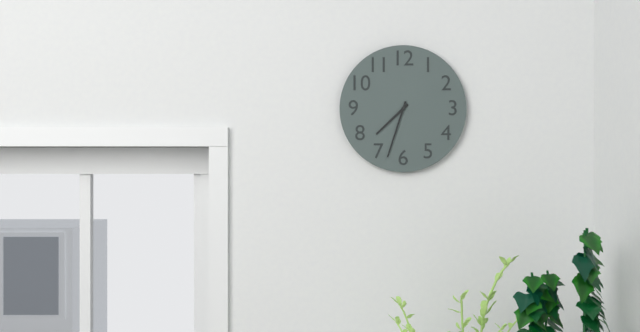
7:33
